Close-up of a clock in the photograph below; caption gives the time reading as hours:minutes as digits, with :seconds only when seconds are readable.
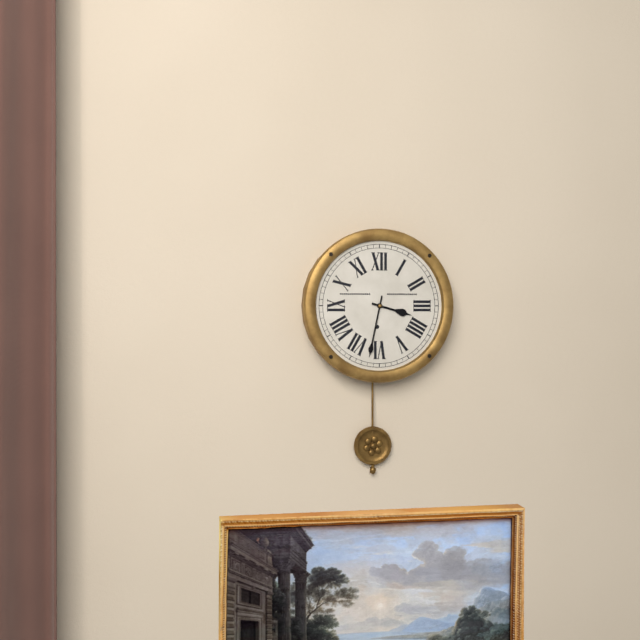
3:32
